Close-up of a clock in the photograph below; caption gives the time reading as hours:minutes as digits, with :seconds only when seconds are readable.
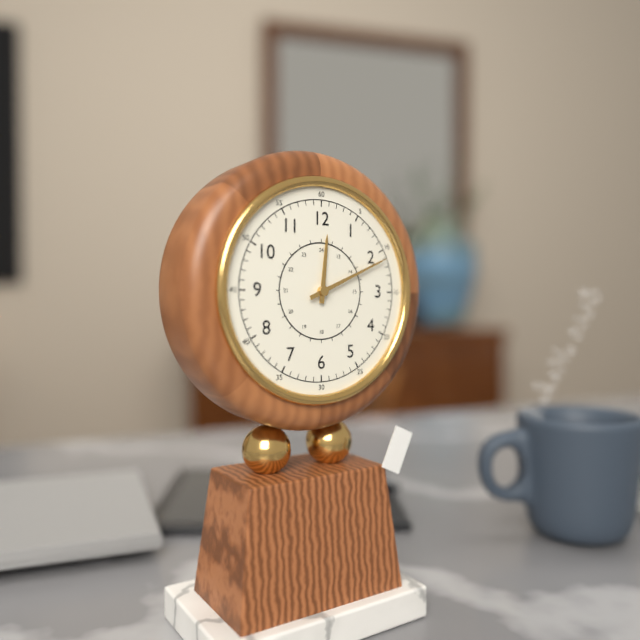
12:11
